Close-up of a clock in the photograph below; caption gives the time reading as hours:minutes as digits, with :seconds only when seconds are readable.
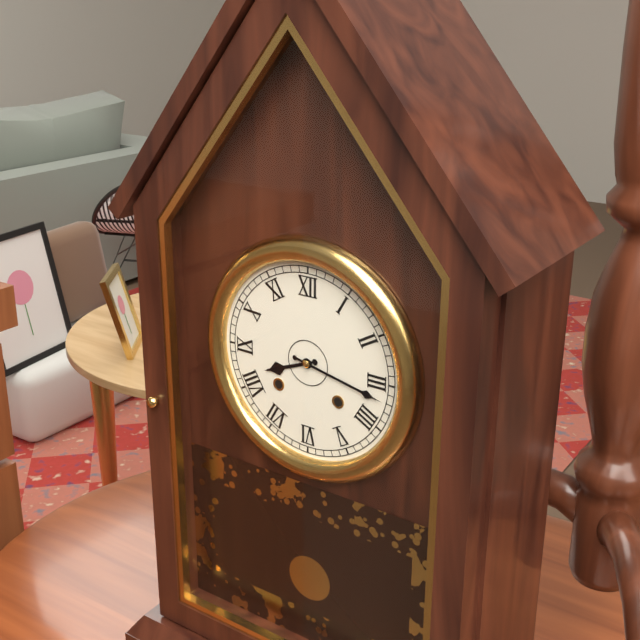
8:17
